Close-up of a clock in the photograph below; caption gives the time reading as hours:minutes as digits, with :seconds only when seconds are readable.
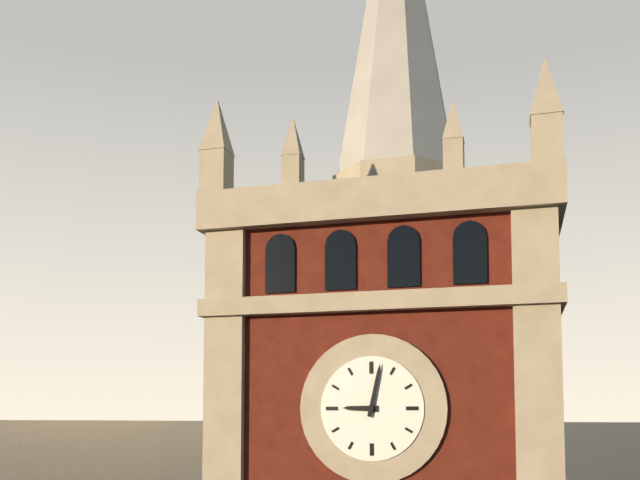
9:02
